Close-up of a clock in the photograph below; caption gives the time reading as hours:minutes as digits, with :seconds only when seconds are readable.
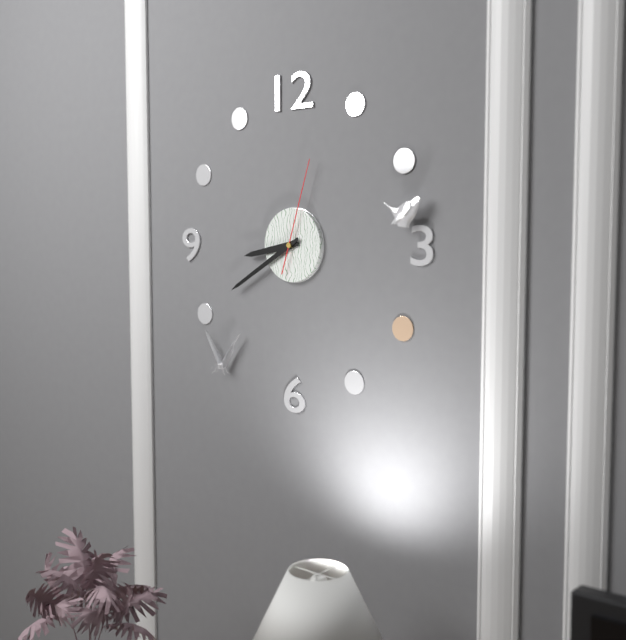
8:40:03
